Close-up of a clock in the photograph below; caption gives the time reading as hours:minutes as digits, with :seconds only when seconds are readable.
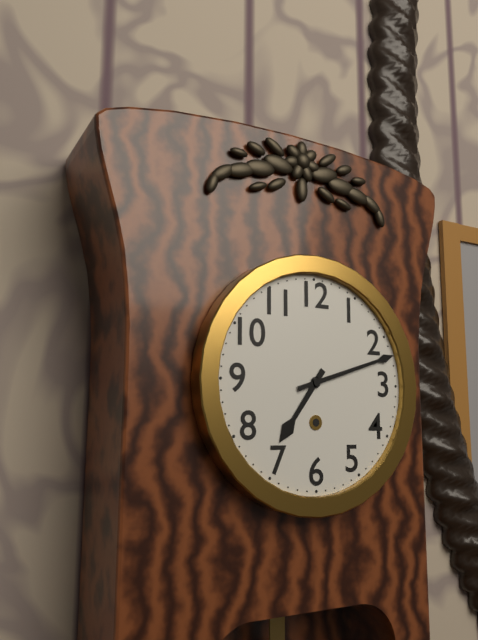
7:12
